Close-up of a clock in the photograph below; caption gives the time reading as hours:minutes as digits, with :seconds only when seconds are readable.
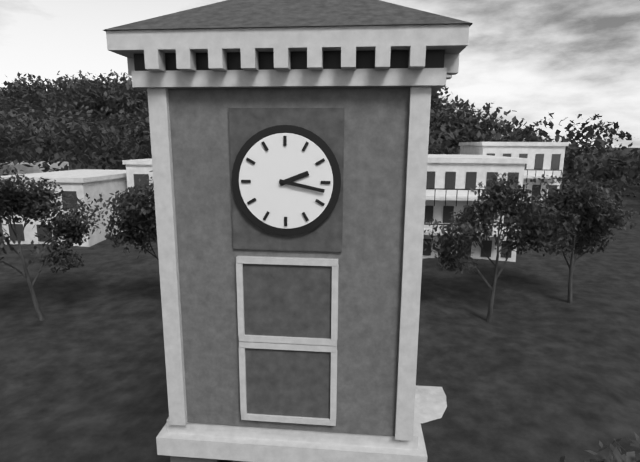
2:17
